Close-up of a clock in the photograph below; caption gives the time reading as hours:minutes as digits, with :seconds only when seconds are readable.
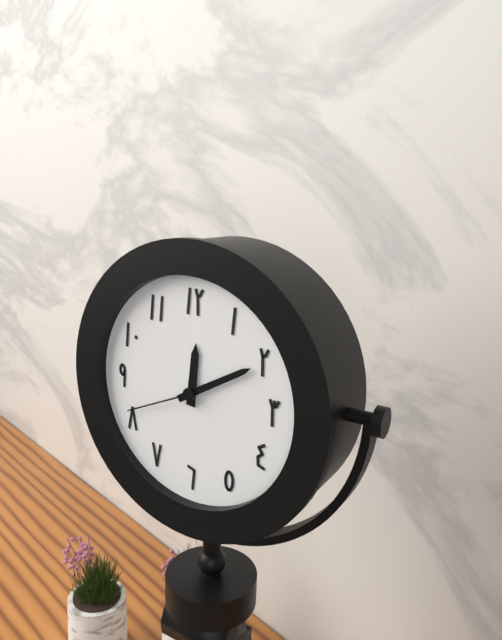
12:10:41
